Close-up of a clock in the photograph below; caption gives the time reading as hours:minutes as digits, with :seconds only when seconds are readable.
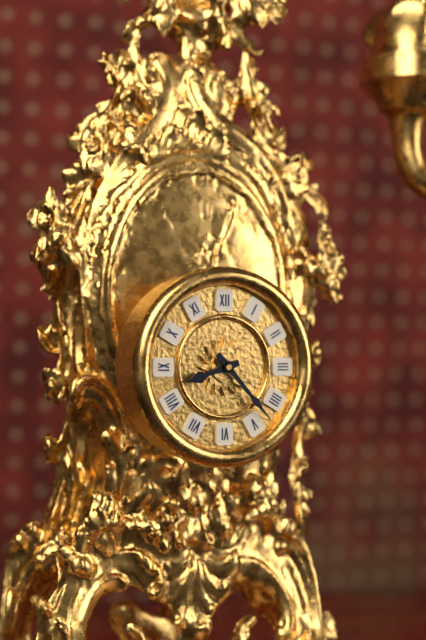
8:23
